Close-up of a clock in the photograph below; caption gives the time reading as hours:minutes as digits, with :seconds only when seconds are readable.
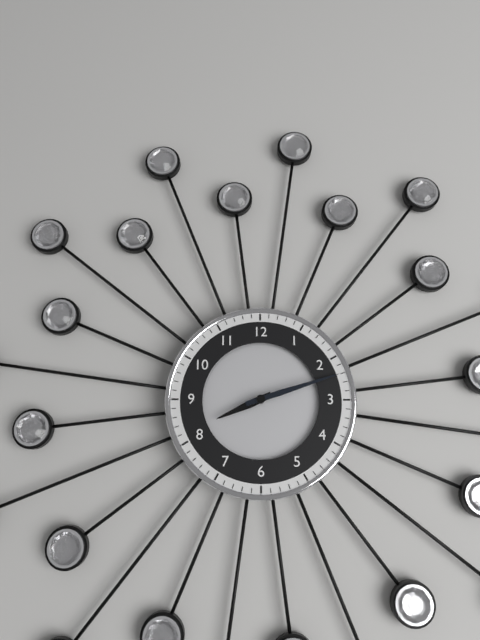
8:12
